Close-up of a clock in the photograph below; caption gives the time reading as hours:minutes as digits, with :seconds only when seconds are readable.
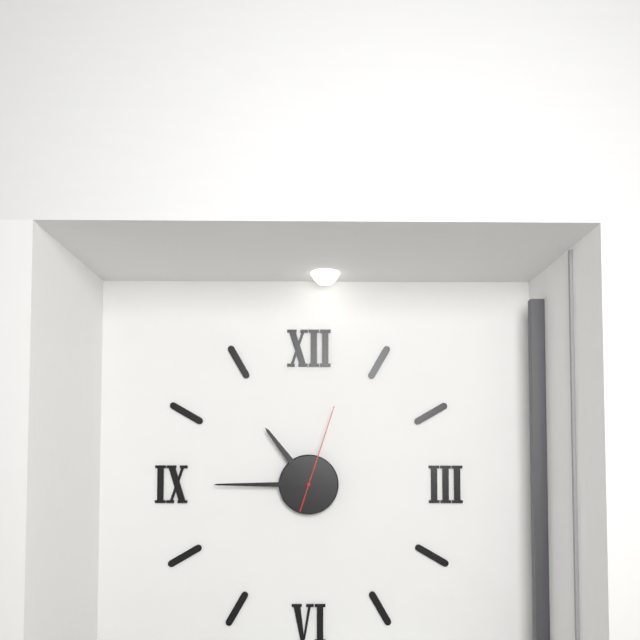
10:45:03
